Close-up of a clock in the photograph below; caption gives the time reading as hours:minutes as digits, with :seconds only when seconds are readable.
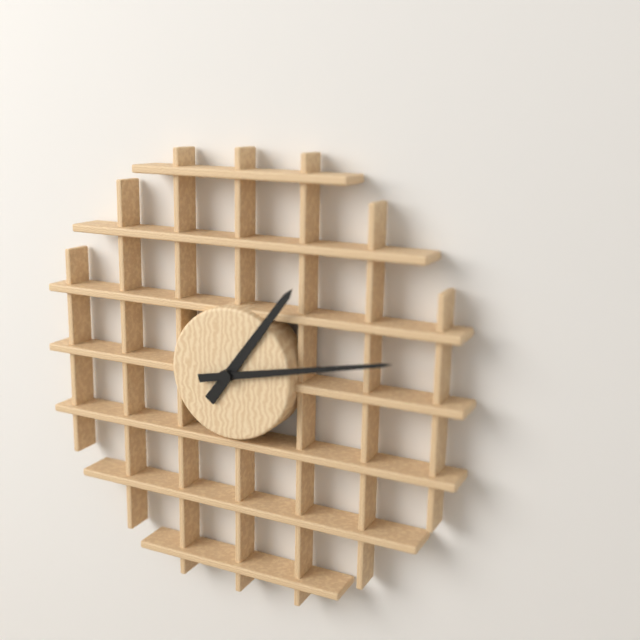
1:13
